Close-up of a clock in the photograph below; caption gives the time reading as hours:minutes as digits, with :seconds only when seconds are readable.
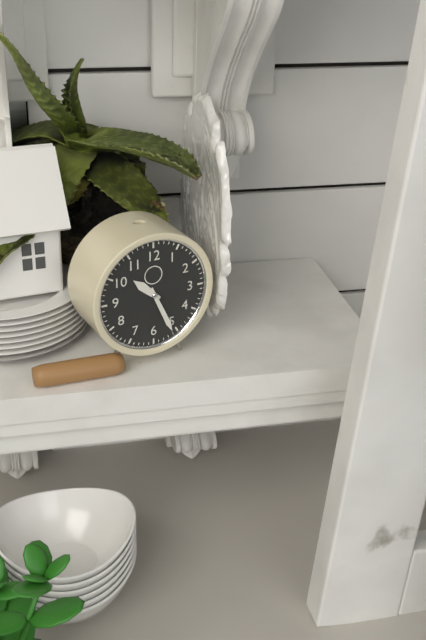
10:26
